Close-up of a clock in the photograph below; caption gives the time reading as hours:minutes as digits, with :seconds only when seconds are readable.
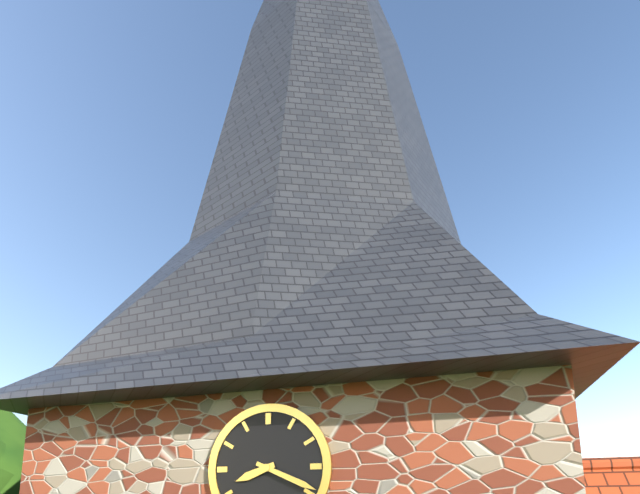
8:19
